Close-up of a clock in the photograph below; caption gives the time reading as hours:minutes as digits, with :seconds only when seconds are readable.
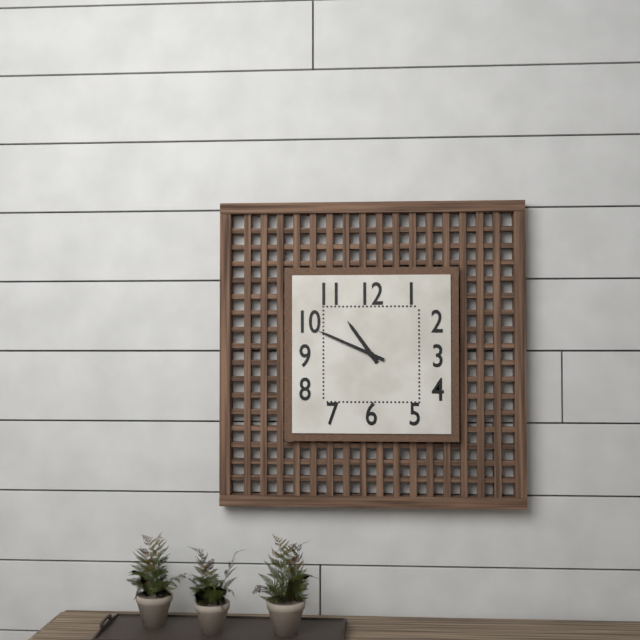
10:49
